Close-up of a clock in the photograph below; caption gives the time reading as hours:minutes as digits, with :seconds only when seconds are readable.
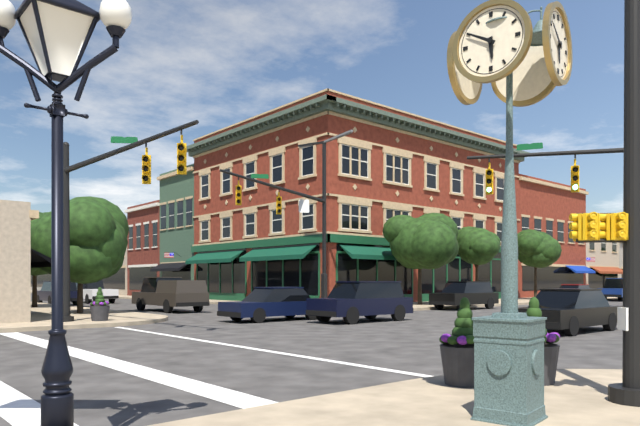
5:50
